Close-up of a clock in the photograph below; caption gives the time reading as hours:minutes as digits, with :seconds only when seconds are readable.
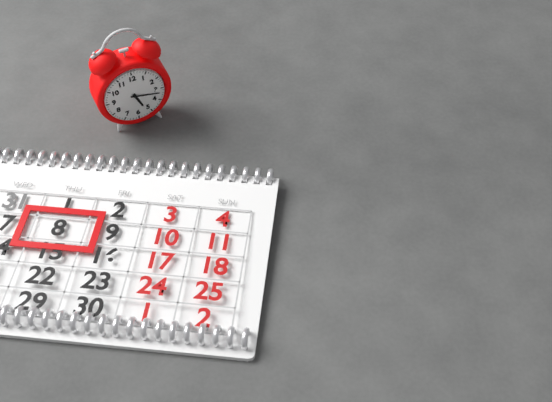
5:17
